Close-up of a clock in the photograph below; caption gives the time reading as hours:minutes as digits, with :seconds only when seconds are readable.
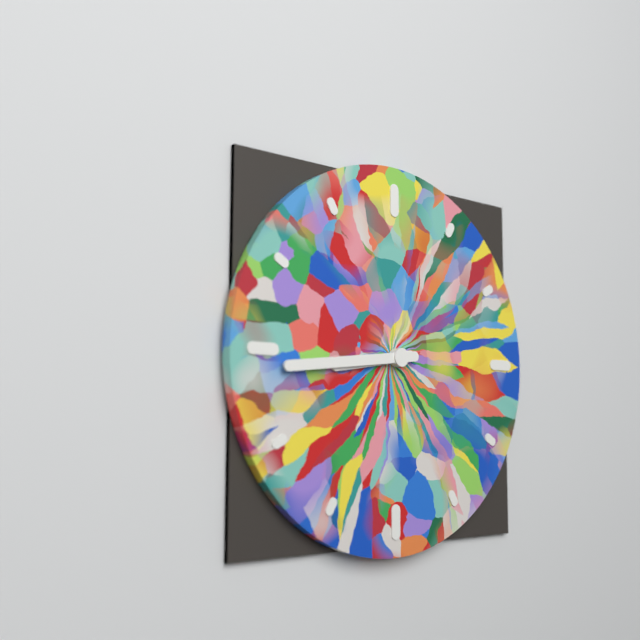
8:44
